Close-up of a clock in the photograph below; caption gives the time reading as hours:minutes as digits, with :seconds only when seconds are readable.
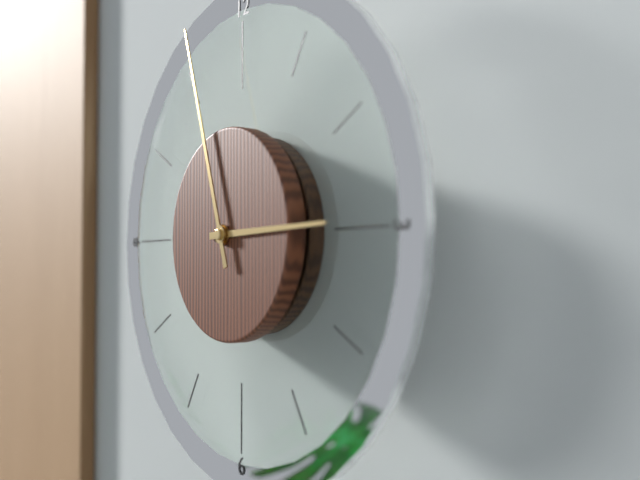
2:57
